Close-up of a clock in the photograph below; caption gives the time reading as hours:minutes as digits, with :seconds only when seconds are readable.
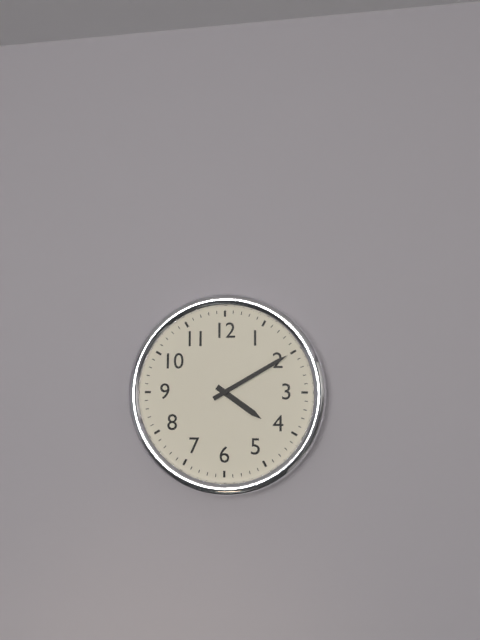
4:10
